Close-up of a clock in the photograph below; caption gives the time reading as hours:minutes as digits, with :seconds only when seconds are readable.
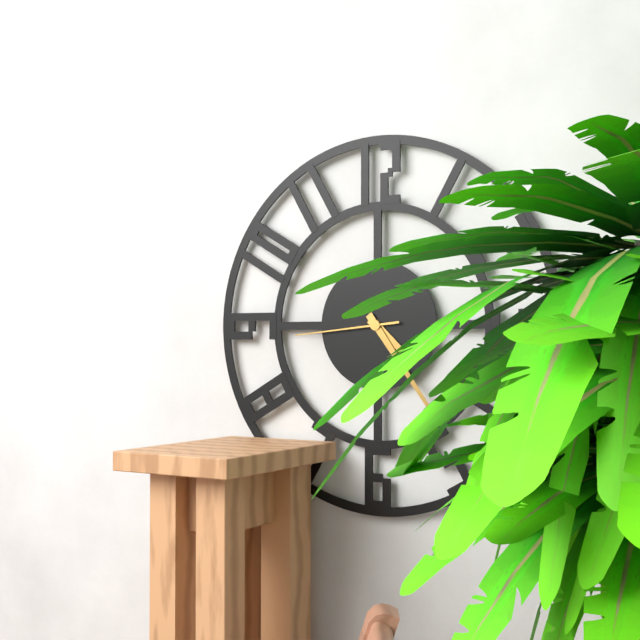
4:24:44
